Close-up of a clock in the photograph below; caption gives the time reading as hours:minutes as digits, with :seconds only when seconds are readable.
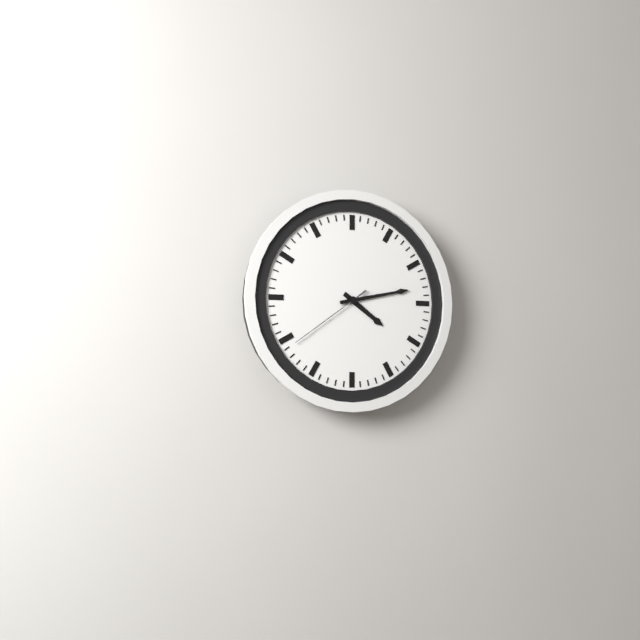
4:13:39
